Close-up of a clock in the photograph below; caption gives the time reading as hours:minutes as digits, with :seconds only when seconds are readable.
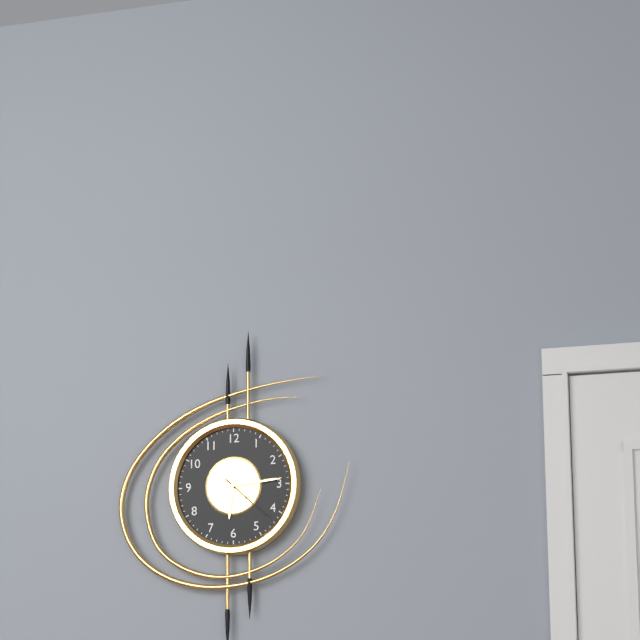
6:14:22
